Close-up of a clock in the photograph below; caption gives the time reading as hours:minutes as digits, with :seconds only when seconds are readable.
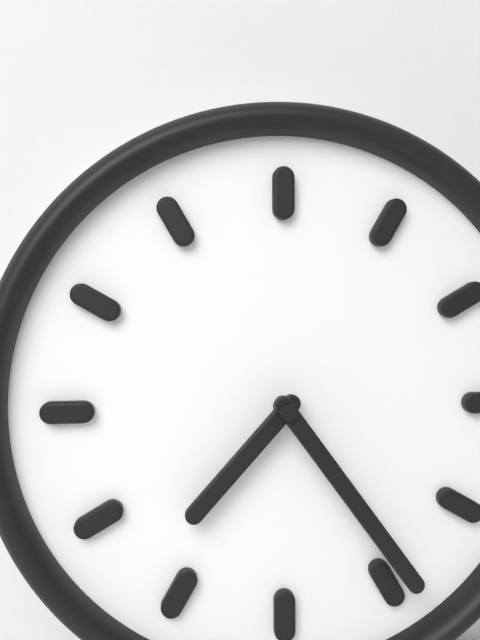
7:24
